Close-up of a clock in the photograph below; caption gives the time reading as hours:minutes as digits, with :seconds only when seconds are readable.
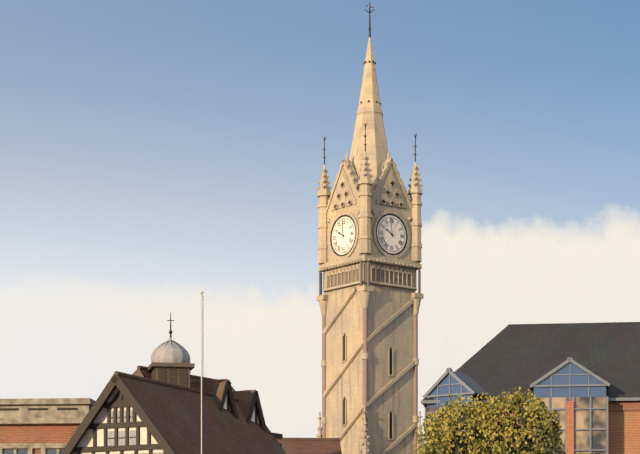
9:59
